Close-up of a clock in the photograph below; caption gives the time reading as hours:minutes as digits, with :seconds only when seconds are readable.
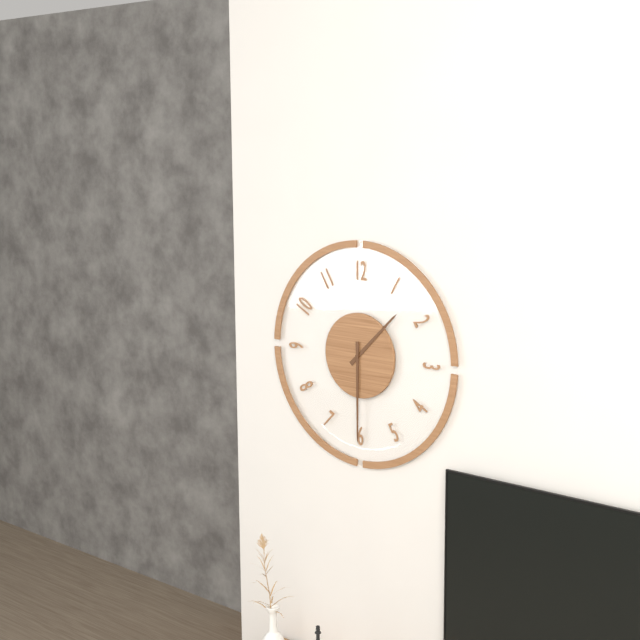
1:30
